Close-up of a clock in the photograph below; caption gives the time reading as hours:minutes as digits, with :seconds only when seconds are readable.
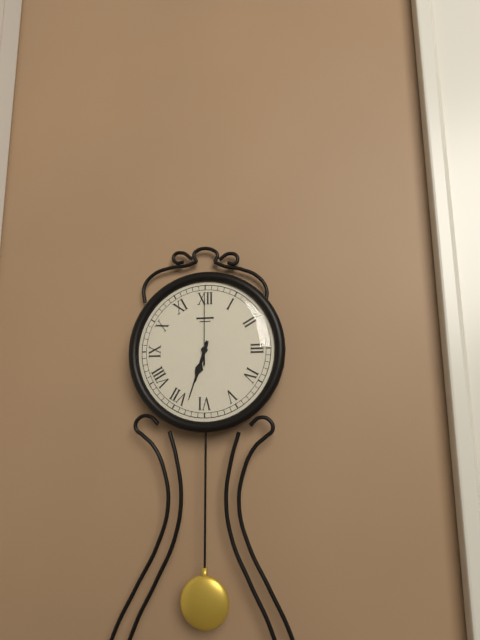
6:33:00
